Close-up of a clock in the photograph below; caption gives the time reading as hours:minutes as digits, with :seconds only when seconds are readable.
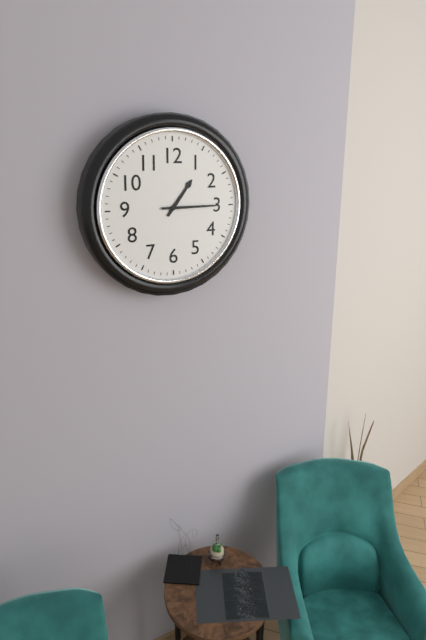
1:15
